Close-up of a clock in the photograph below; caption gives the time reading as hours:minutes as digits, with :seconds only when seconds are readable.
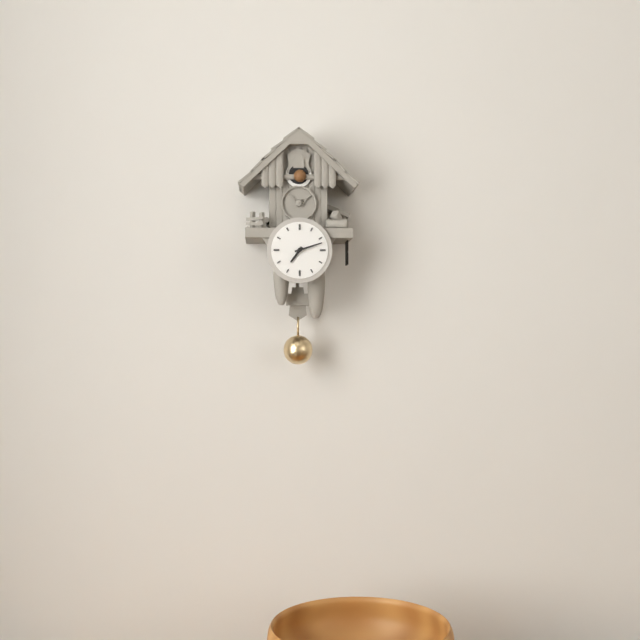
7:12
